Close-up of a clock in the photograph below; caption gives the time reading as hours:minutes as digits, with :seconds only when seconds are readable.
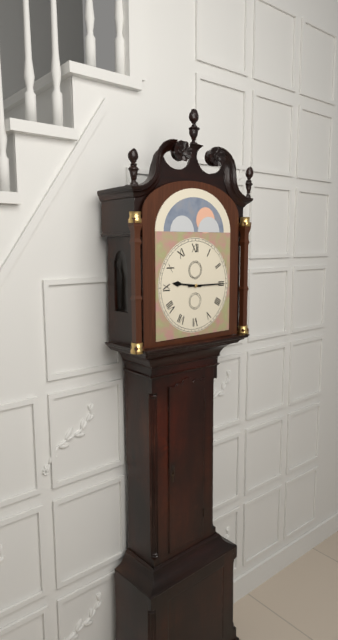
9:15
